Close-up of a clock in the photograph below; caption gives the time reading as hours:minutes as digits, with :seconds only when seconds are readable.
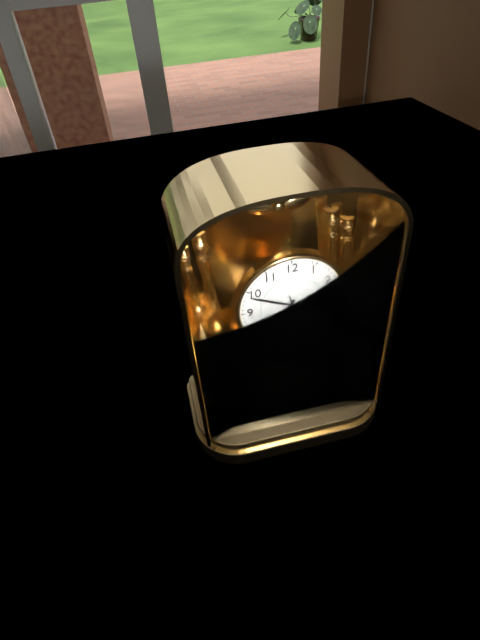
6:49
